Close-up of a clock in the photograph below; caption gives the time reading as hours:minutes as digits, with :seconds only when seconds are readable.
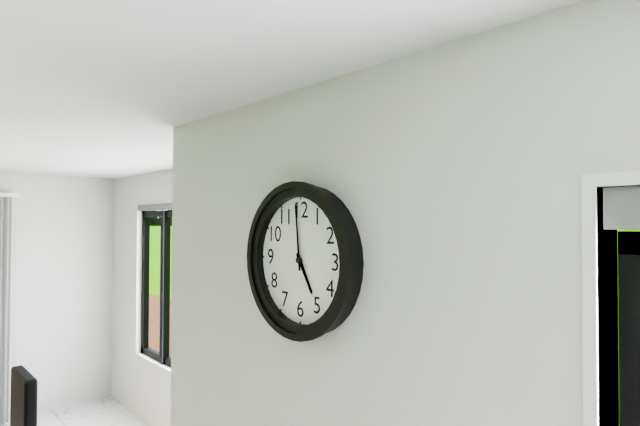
4:59
